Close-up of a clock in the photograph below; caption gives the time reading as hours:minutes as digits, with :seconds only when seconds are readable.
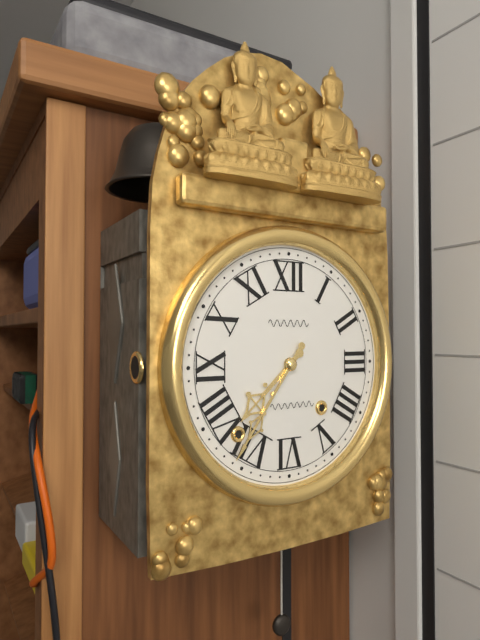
7:36
